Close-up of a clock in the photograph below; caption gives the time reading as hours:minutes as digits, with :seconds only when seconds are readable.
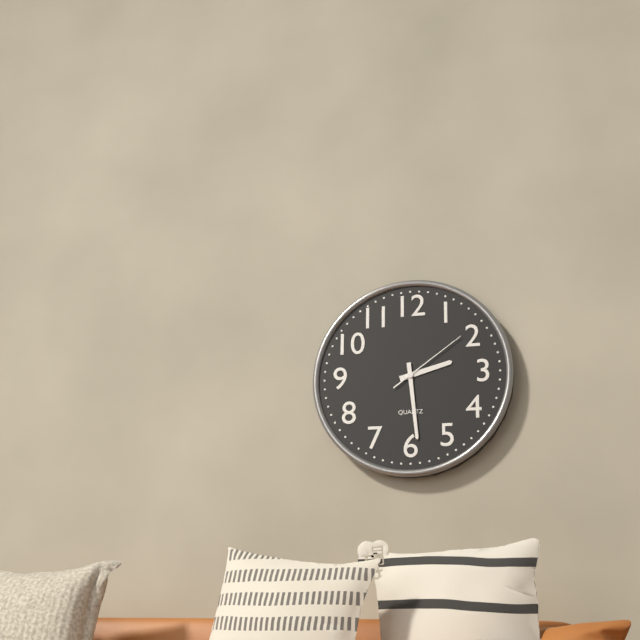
2:29:09
